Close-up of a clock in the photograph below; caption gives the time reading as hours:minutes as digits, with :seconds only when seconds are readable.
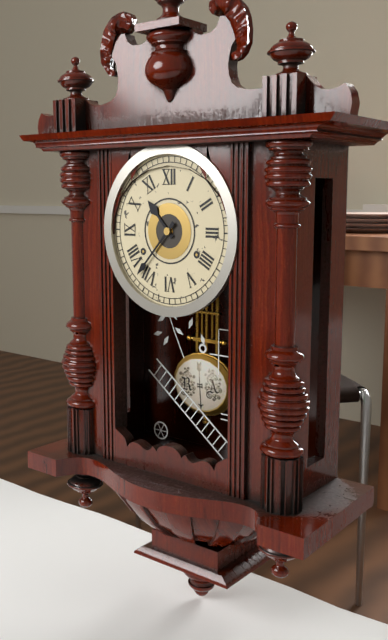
10:37
